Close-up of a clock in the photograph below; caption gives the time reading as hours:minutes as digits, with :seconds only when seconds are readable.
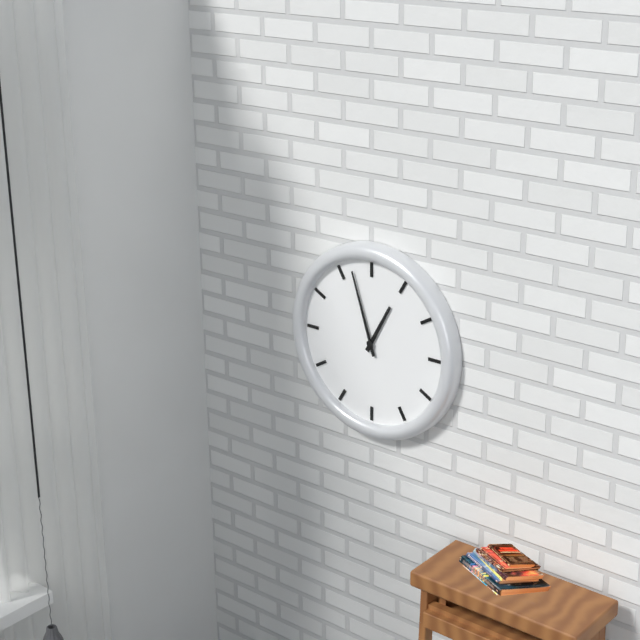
12:57
